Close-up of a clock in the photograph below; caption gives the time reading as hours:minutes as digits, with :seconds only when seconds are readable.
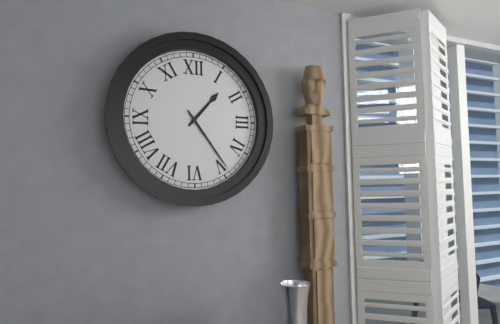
1:24
